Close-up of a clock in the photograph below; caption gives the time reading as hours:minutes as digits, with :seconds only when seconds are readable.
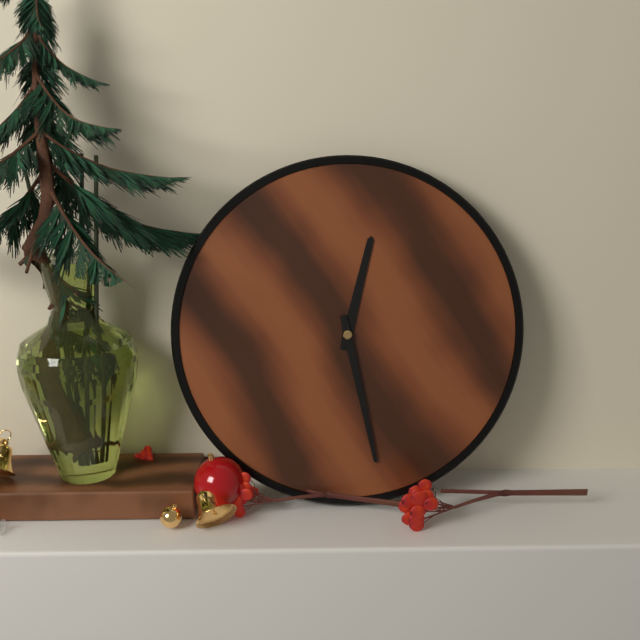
12:28
